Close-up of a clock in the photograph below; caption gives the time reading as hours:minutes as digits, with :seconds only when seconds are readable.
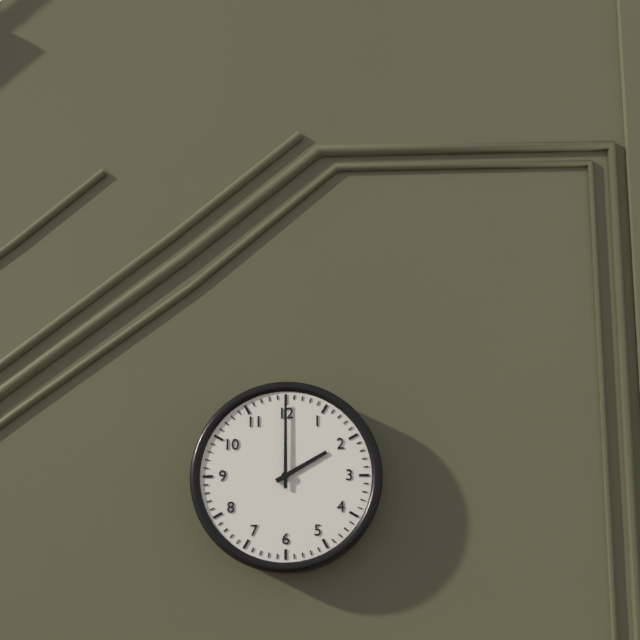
2:00
